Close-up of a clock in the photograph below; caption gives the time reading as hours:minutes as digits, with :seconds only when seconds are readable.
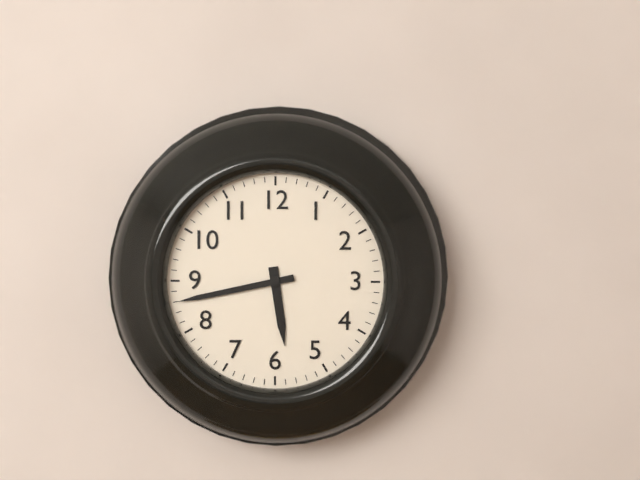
5:43
